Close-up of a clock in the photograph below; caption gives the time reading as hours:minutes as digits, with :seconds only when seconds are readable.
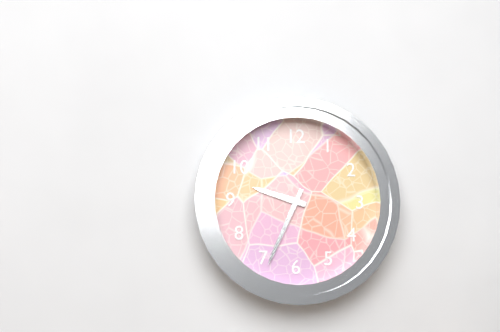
9:34
